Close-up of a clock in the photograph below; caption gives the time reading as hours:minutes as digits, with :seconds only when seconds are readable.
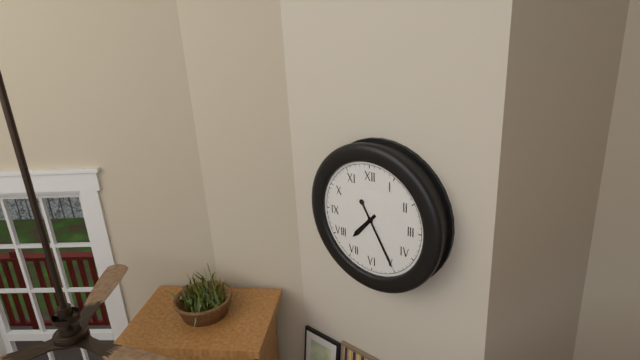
7:25
